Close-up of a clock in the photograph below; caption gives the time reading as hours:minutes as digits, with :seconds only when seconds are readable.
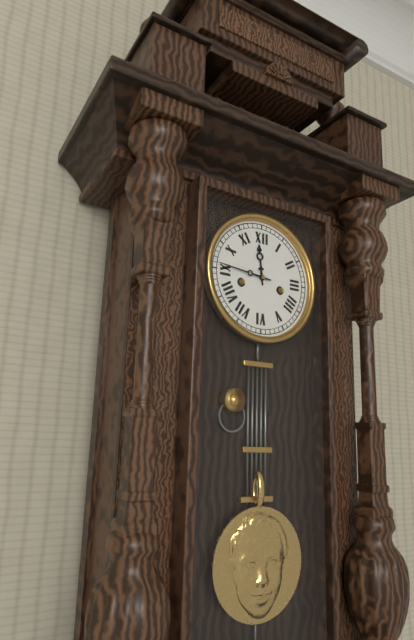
11:46
